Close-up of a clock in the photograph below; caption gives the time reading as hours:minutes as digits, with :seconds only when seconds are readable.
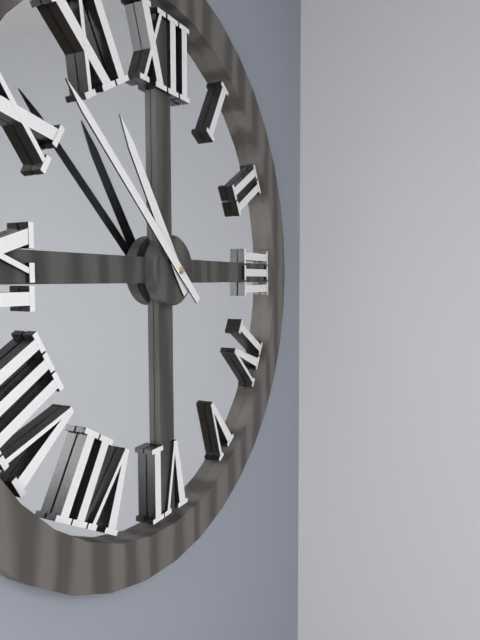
10:52
